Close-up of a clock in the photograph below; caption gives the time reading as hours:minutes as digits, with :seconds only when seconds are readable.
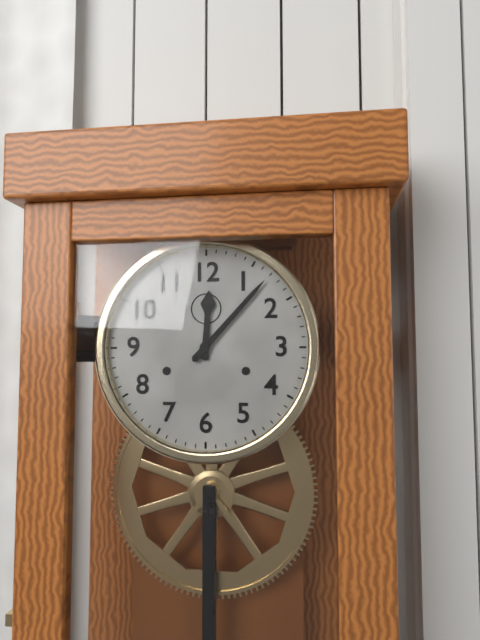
12:07
